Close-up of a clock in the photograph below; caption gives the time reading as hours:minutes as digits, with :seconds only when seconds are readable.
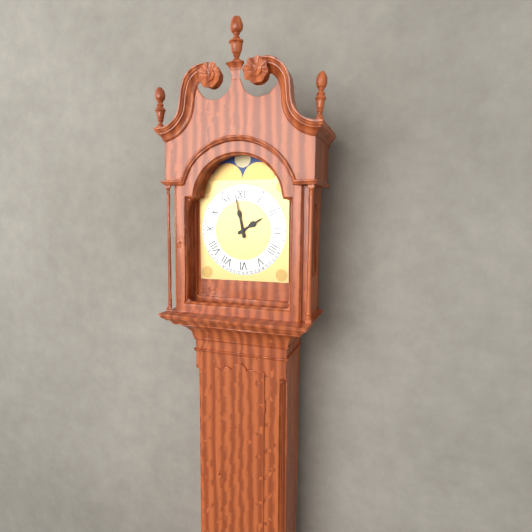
1:58
